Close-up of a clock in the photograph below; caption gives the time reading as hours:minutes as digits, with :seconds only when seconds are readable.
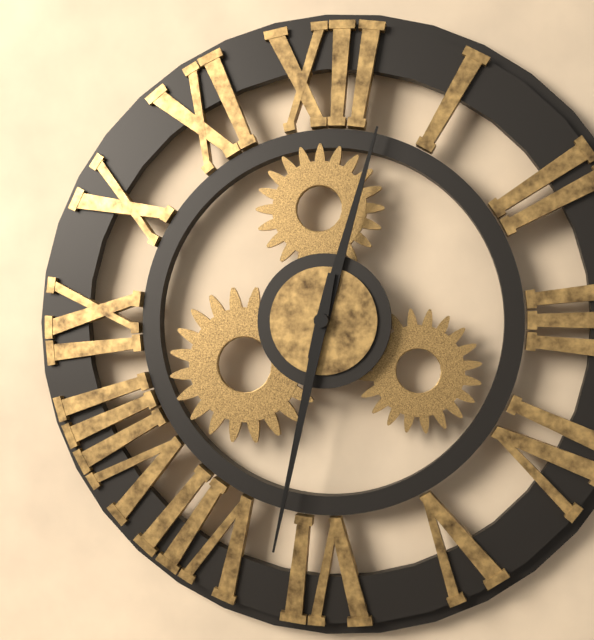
12:32
